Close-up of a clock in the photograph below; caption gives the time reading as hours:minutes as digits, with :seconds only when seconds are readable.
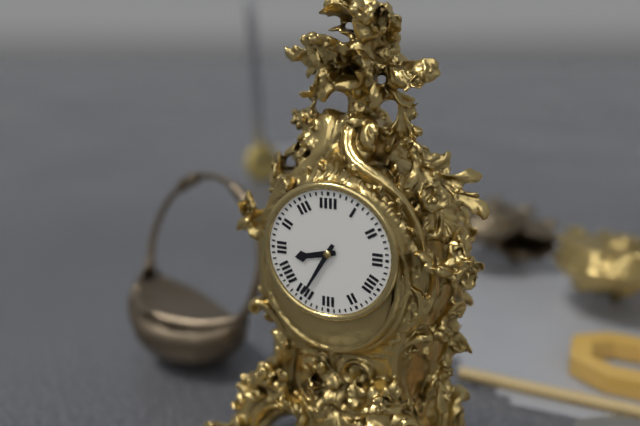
8:35
